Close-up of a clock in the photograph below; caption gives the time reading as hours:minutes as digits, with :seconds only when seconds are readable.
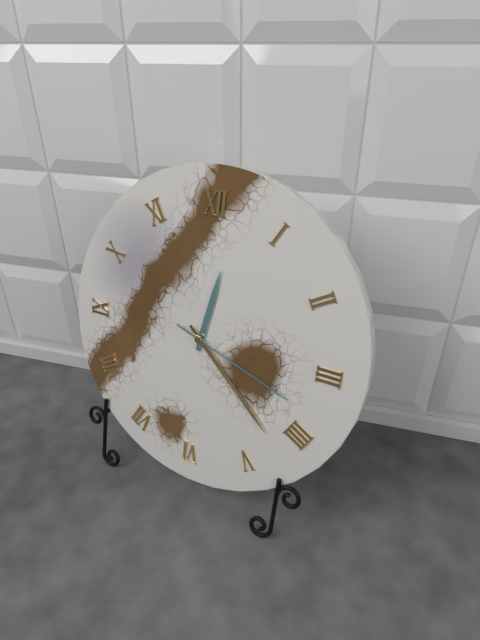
12:22:18
